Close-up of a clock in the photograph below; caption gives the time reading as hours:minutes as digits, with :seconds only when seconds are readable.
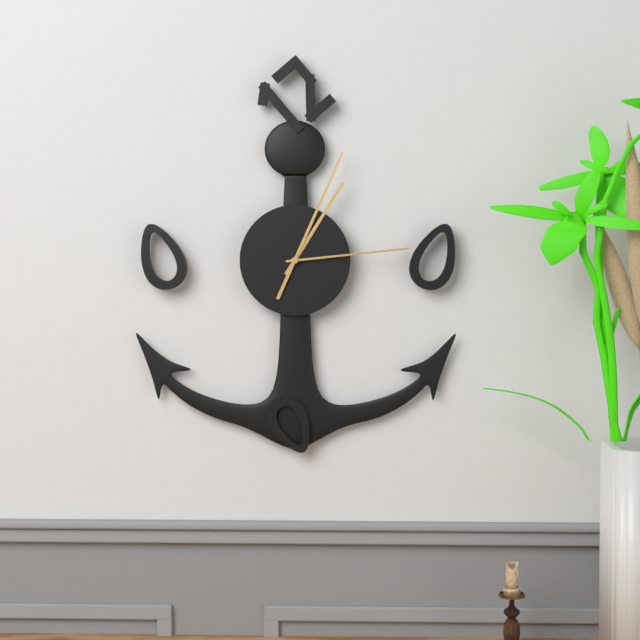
1:04:14
